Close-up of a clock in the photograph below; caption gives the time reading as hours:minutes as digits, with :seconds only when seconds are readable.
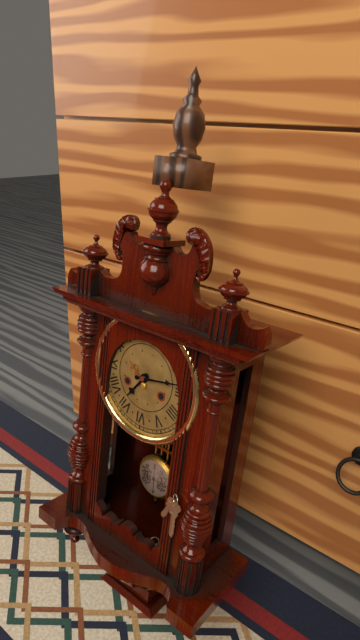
7:13
